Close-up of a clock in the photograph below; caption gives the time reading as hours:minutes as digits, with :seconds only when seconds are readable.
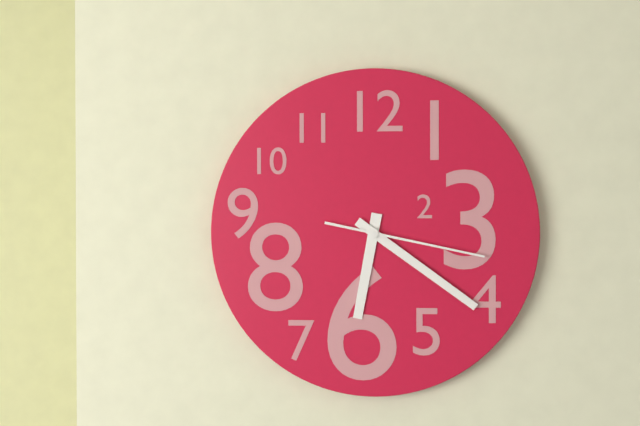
6:21:17
